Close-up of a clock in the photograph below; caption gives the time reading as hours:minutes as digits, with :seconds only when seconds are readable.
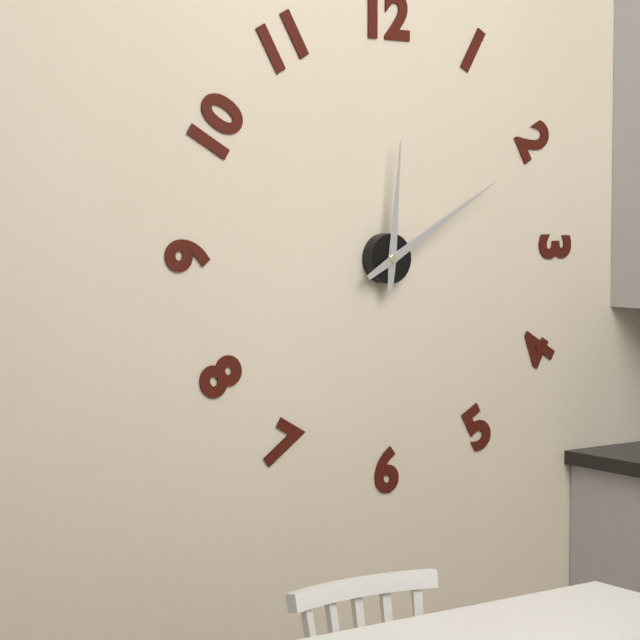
12:10
